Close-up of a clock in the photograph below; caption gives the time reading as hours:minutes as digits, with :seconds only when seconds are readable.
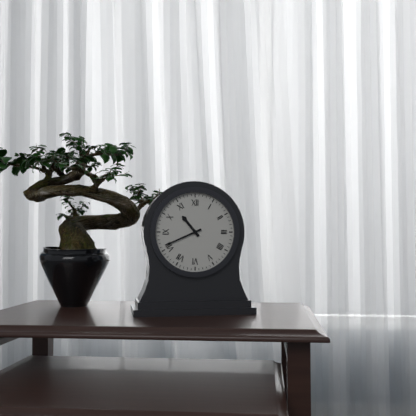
10:41
